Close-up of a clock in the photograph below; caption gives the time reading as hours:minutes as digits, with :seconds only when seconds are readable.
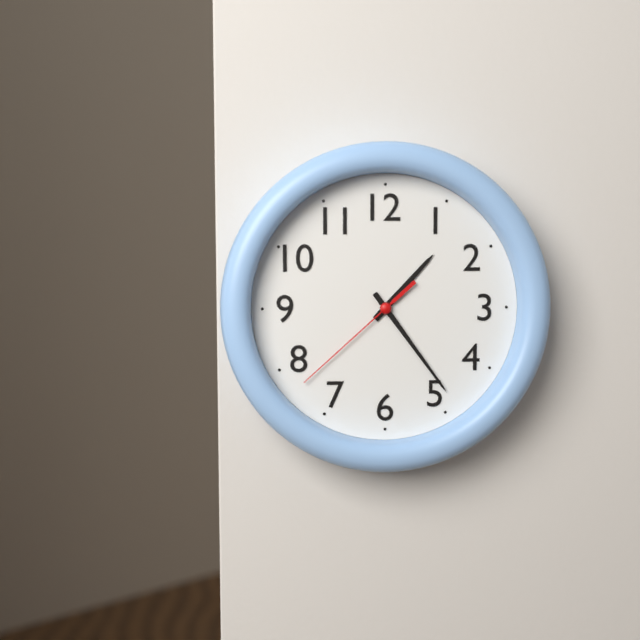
1:24:38
